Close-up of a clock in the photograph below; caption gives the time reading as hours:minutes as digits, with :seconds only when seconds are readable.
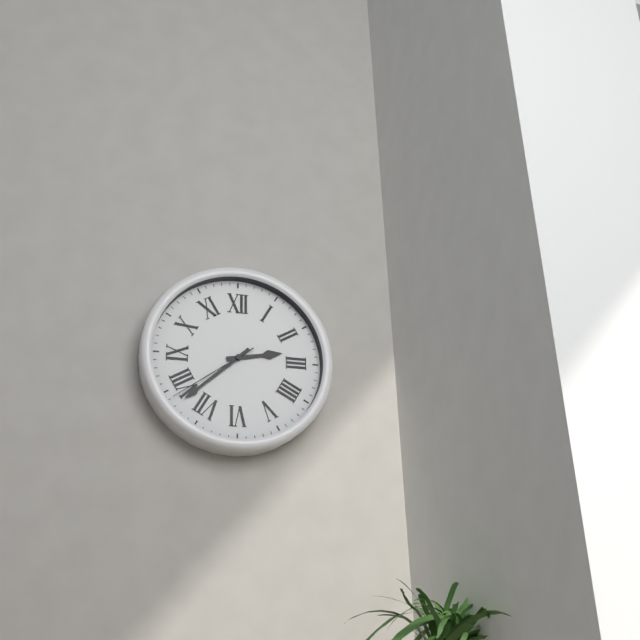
2:38:39
